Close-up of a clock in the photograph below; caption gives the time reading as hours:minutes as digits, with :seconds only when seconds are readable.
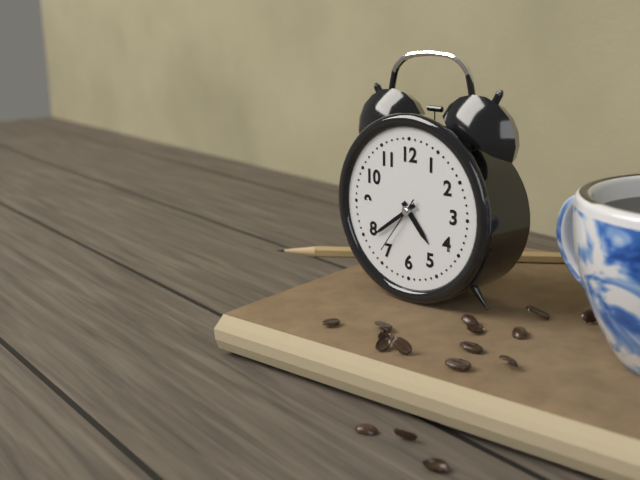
4:39:36
